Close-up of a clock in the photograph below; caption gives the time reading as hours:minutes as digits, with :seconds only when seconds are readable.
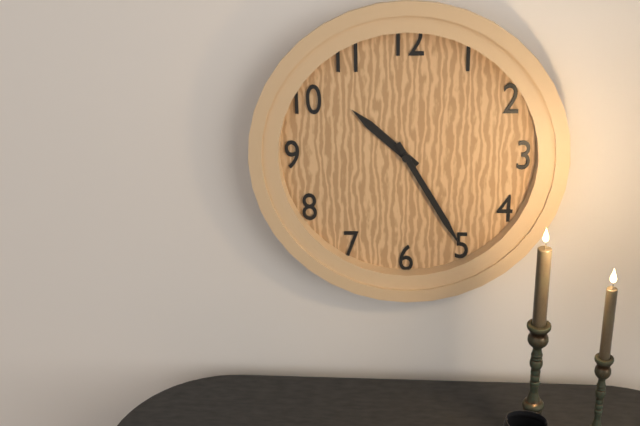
10:25
